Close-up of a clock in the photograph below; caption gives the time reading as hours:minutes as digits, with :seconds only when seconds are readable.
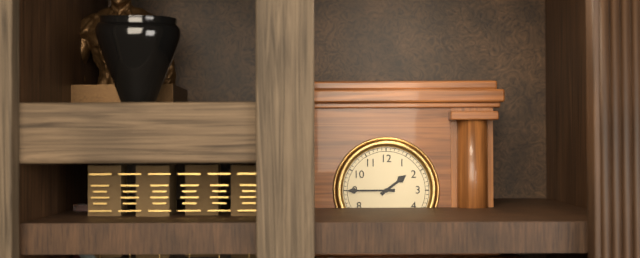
1:45
